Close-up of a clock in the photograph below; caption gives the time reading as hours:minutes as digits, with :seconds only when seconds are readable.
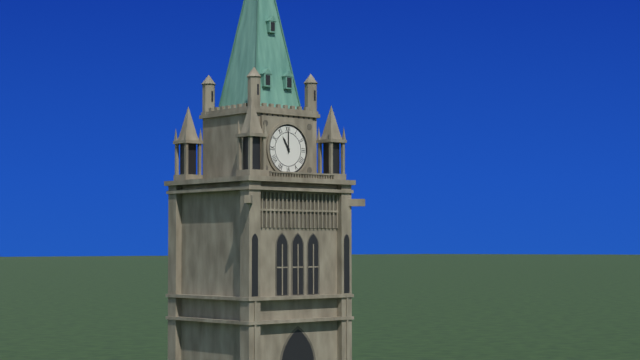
11:00
